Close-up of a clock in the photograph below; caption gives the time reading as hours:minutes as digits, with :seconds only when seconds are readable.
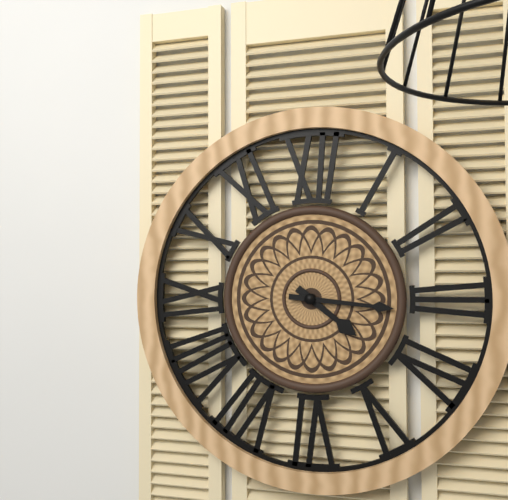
4:16
